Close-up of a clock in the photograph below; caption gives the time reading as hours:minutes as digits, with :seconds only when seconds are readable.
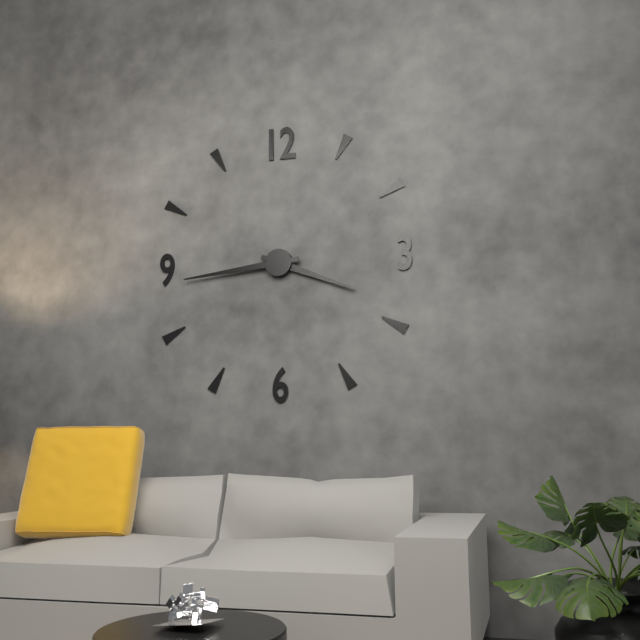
3:44
